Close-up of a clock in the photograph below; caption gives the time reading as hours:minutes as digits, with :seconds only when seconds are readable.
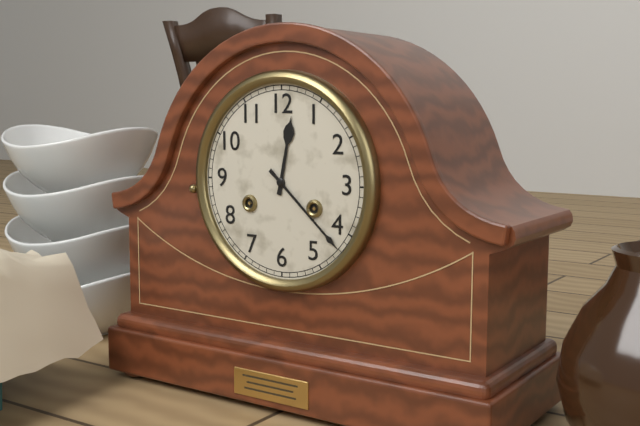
12:22
